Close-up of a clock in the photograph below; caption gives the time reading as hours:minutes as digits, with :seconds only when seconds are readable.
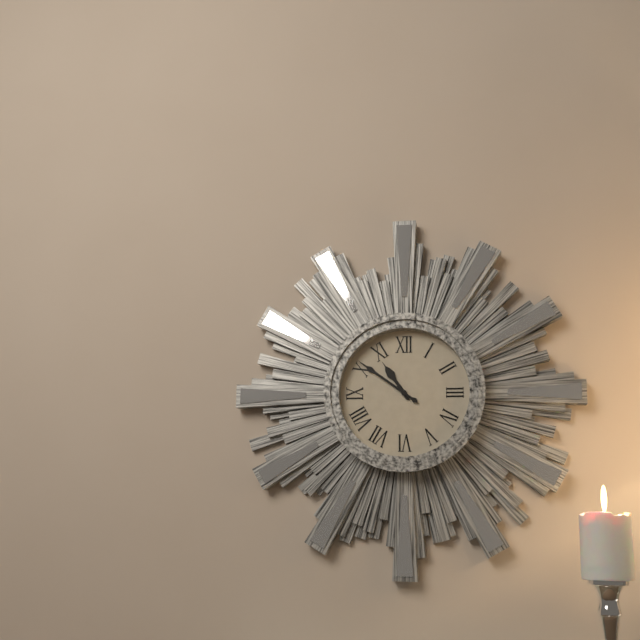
10:51
